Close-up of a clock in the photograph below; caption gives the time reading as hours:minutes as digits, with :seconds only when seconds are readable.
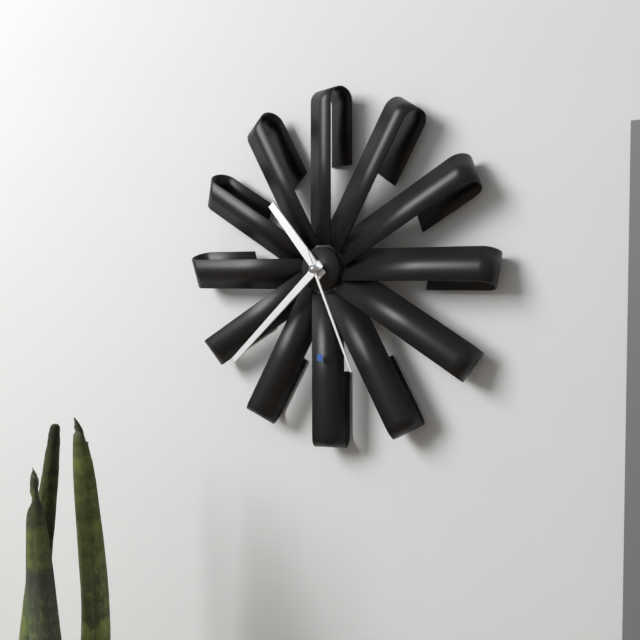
10:38:26
